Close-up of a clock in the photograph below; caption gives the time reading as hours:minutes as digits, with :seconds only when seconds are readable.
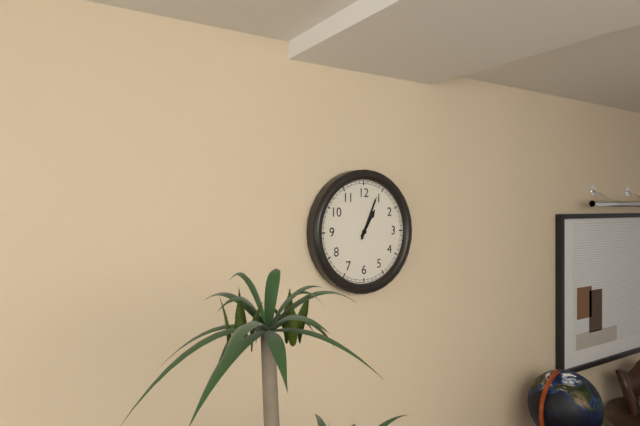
1:04
